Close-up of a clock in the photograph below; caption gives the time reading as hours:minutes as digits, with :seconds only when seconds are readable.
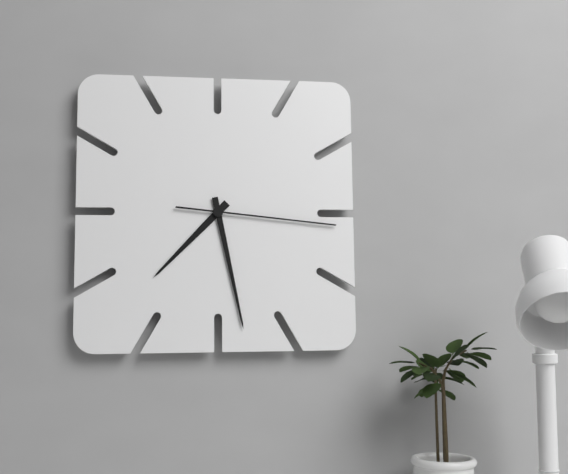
7:28:16
